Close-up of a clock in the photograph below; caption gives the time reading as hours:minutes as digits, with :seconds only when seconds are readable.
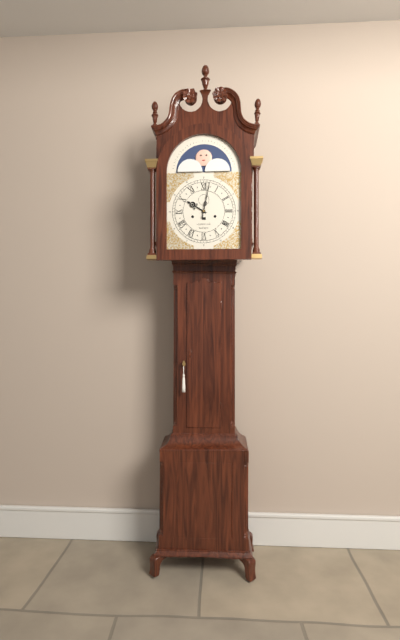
10:02
